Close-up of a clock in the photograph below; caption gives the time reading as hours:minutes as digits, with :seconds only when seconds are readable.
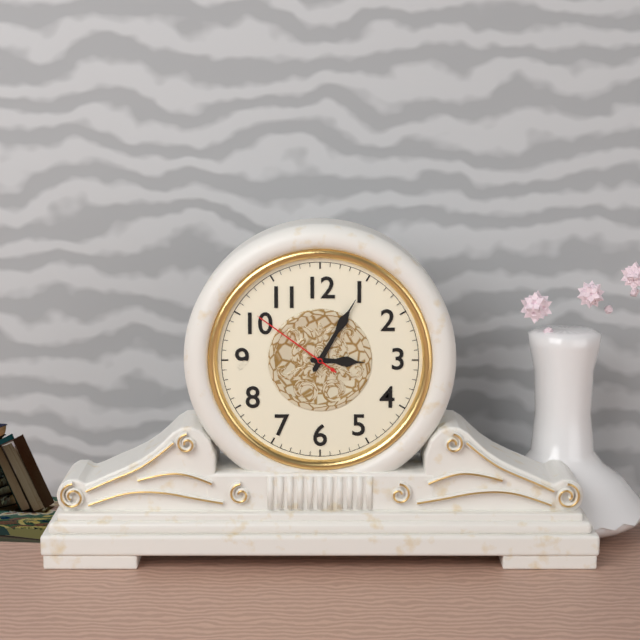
3:05:51
